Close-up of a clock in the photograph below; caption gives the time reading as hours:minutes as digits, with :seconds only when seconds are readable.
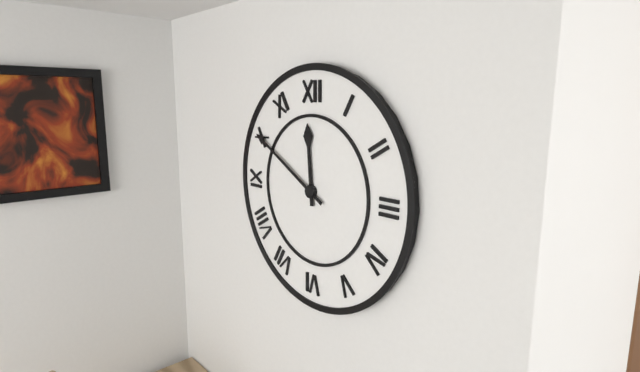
11:50
